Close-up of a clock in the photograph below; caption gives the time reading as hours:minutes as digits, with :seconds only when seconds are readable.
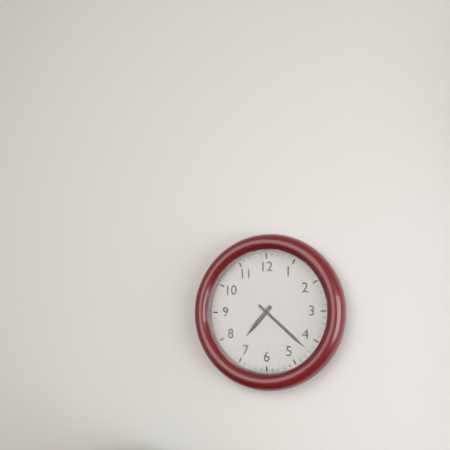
7:22
